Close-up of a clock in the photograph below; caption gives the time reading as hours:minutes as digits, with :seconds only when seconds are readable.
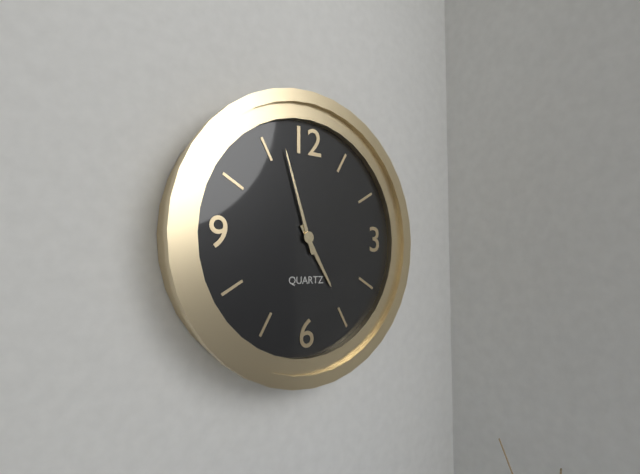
4:57
